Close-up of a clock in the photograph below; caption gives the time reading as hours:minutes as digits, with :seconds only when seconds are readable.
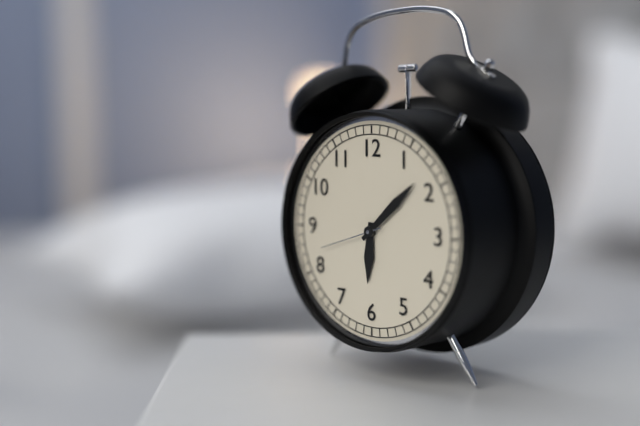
6:08:42
